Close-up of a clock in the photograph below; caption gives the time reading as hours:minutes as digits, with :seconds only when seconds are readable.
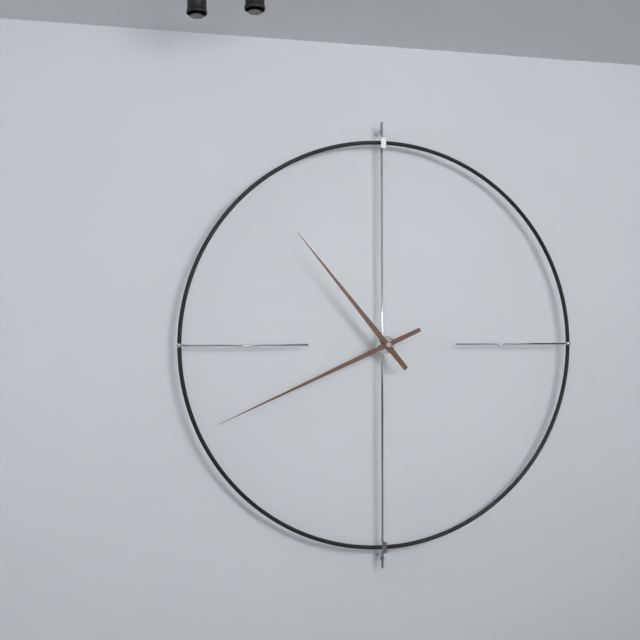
10:41
